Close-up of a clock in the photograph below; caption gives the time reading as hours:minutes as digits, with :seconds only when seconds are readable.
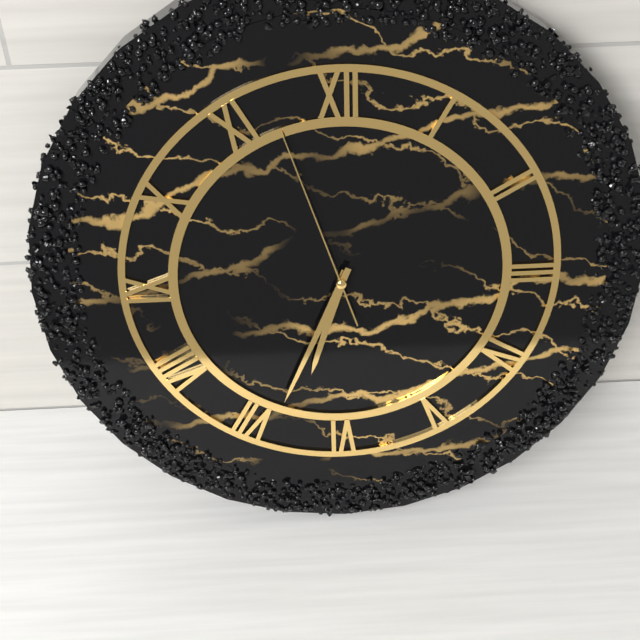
6:34:57
